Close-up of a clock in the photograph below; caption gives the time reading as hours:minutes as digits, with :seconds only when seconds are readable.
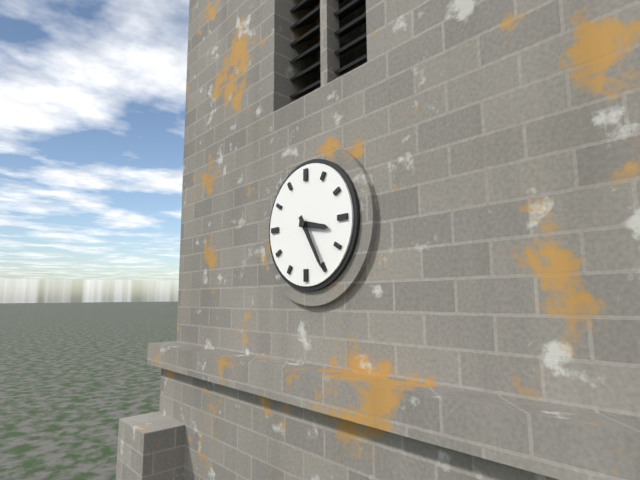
3:25
